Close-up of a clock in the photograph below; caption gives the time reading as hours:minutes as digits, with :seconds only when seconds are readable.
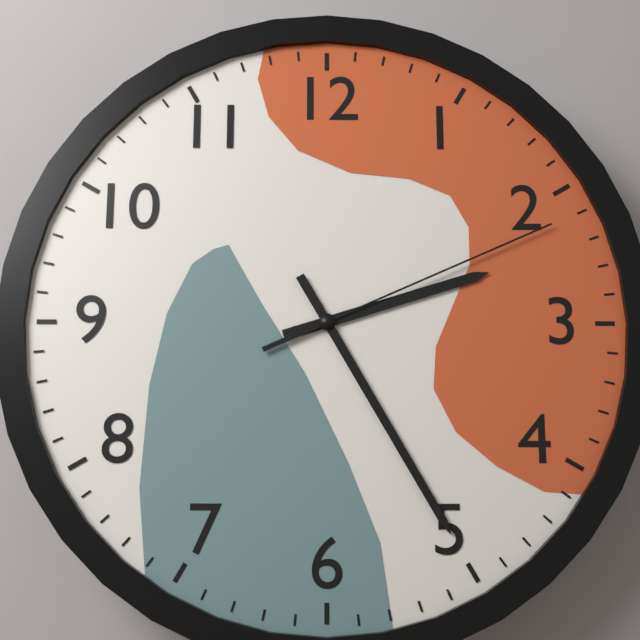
2:25:11
